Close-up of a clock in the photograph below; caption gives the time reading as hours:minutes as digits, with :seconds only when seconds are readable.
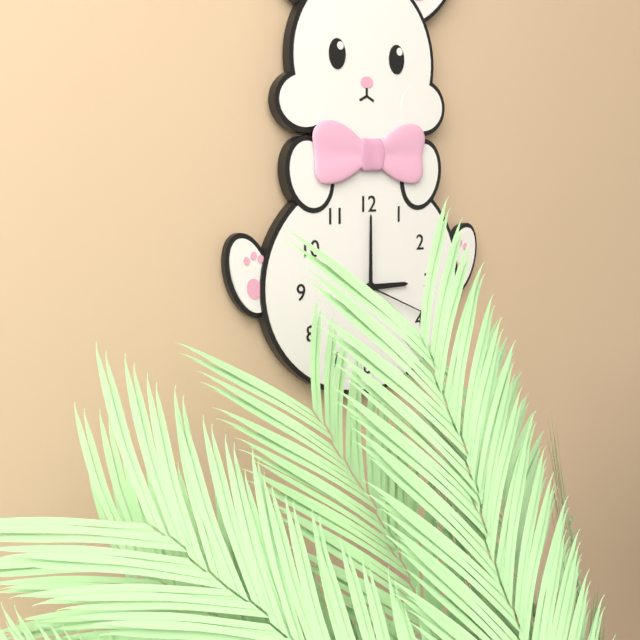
3:00:19
